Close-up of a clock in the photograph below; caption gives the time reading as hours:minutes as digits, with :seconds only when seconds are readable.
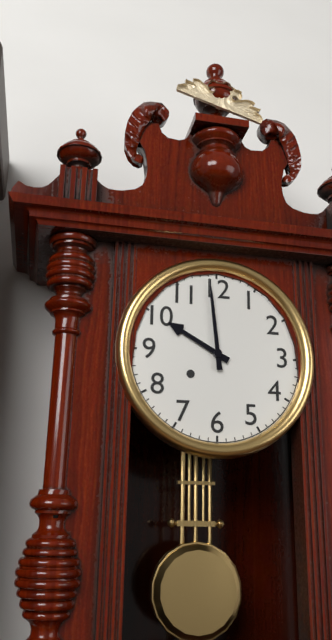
9:59
